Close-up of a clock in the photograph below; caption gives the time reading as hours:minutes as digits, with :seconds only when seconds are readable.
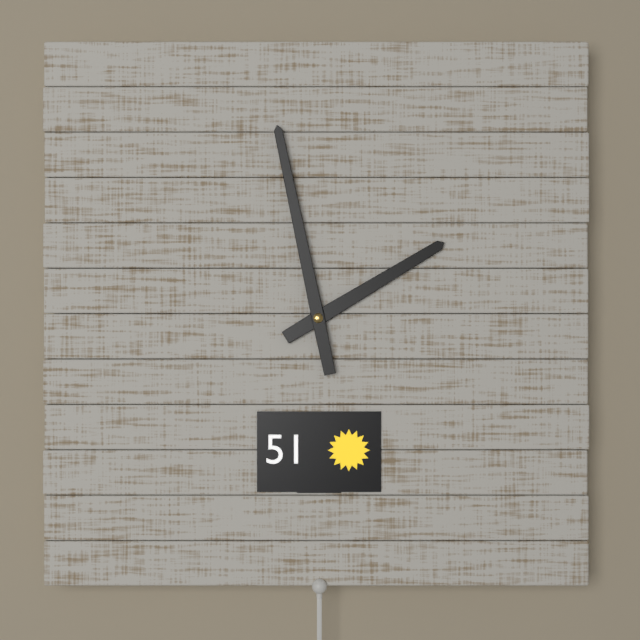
1:58
